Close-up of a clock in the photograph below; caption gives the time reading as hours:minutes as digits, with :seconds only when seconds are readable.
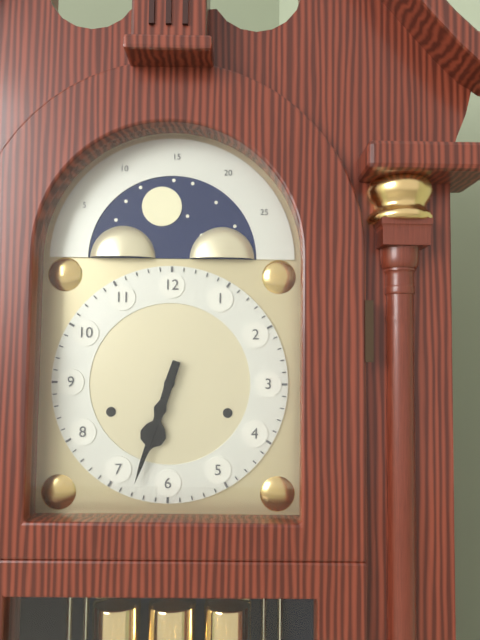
6:33
